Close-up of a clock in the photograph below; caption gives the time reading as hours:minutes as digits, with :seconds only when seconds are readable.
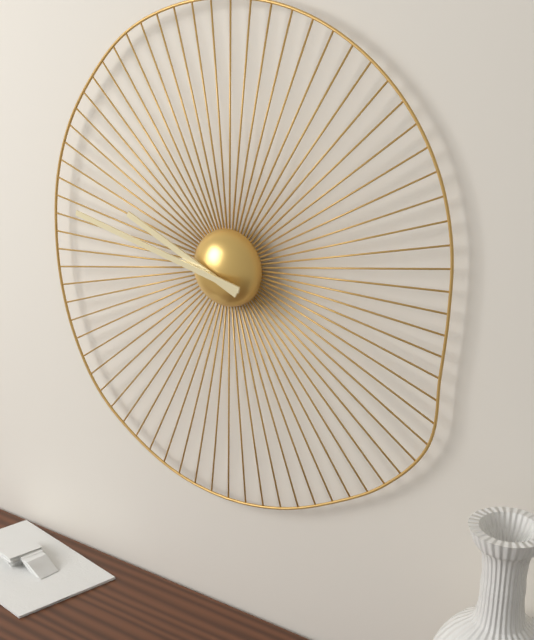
9:47
